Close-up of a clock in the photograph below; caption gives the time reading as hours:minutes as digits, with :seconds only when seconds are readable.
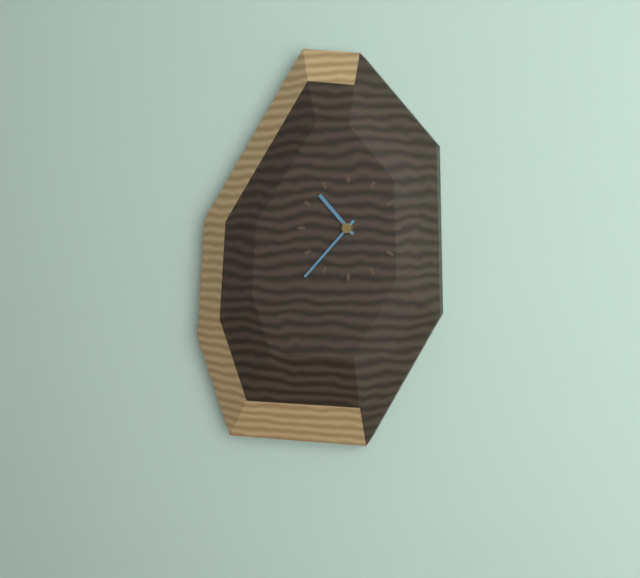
10:37
